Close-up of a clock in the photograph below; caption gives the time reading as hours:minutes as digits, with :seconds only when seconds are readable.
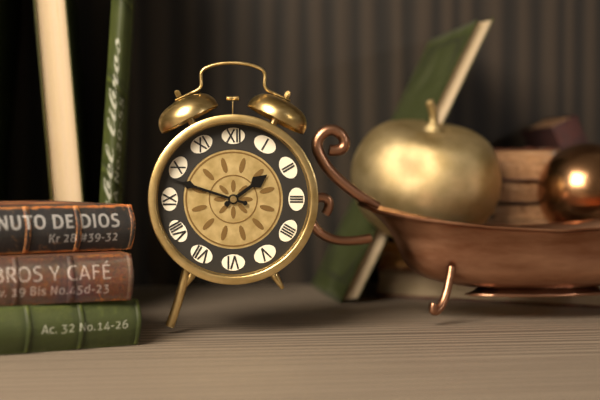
1:48
